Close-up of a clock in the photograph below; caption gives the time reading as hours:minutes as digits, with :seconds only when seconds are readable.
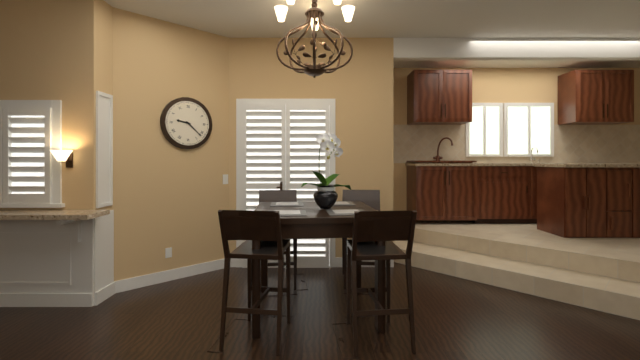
9:22
